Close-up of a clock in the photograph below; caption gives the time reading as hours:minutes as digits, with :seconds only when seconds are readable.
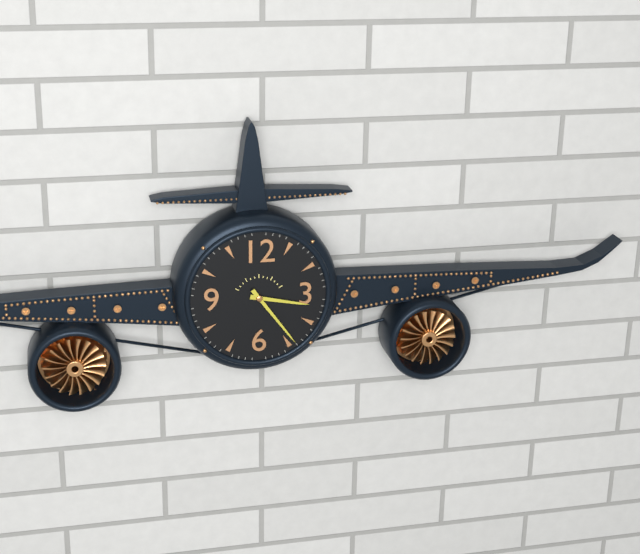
3:24
